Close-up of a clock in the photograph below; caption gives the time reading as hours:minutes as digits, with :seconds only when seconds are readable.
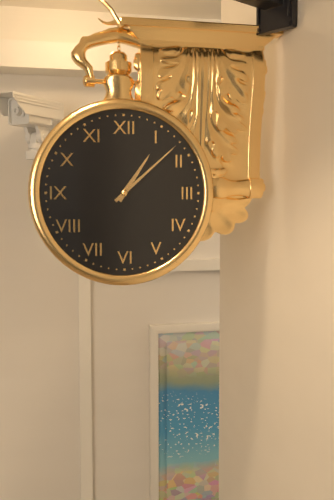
1:08
